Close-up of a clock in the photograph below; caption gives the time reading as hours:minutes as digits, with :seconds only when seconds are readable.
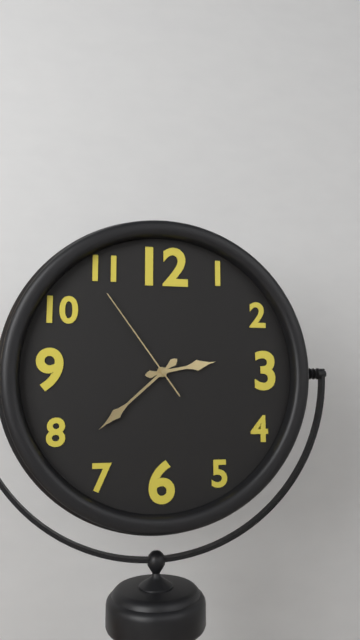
2:38:54
